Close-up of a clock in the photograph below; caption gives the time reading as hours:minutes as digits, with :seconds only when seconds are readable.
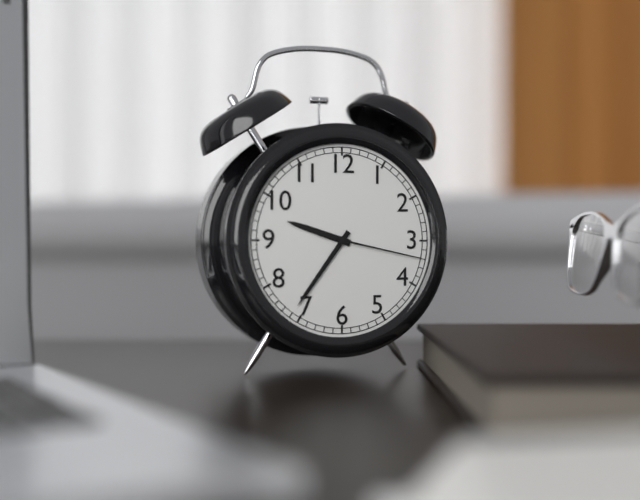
9:36:17
